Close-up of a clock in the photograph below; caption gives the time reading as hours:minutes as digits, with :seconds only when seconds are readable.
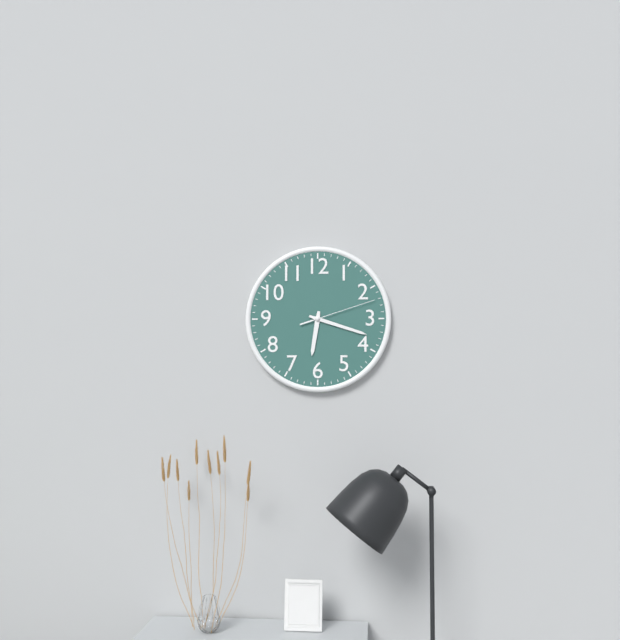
6:18:12
